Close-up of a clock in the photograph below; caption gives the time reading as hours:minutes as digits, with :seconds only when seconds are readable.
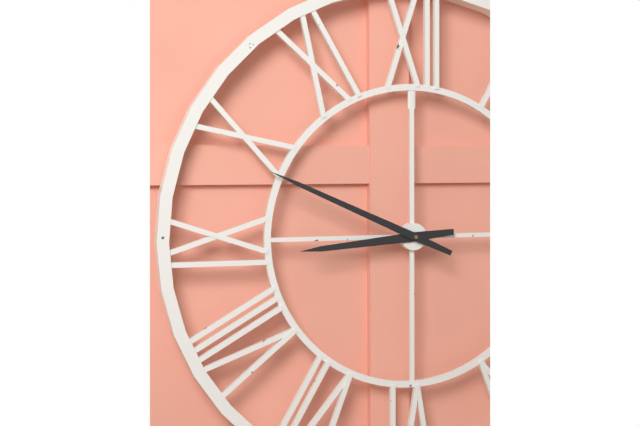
8:49
